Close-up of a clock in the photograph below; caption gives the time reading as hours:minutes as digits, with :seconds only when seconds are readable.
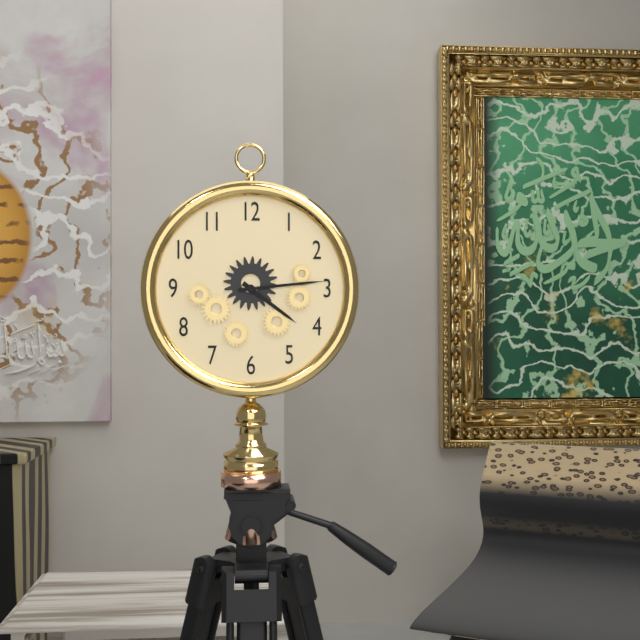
4:14
